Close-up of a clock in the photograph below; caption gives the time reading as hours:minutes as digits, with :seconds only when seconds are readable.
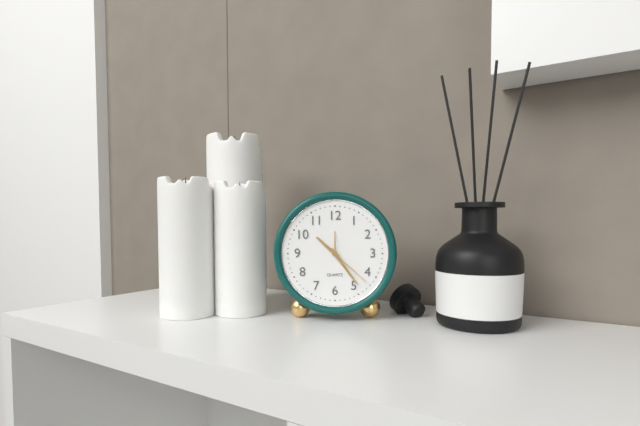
10:24:22
